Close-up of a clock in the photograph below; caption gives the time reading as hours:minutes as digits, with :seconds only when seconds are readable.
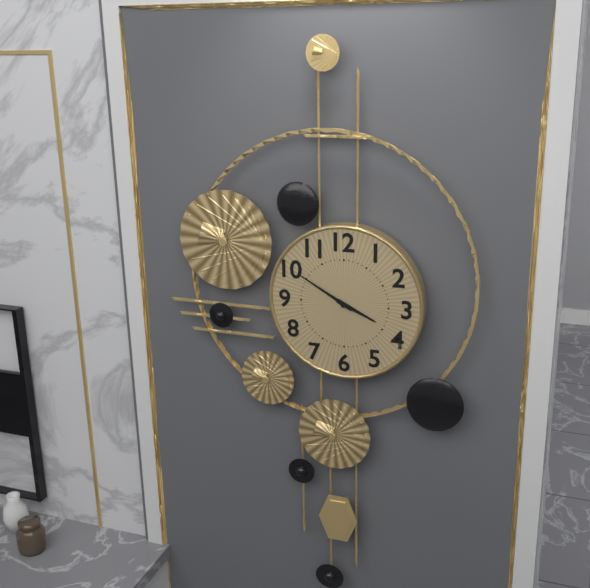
3:50
